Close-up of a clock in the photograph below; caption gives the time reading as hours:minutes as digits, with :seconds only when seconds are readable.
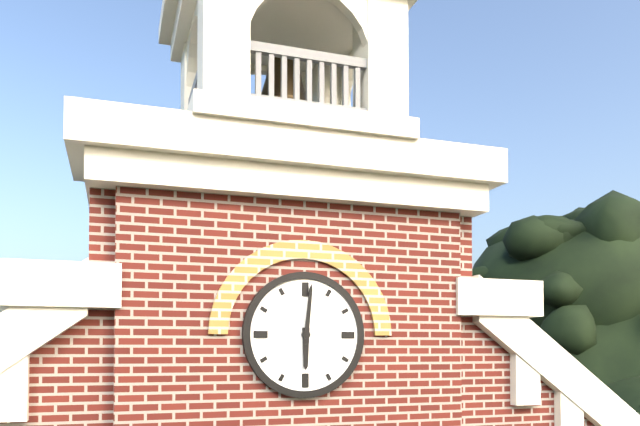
6:01
